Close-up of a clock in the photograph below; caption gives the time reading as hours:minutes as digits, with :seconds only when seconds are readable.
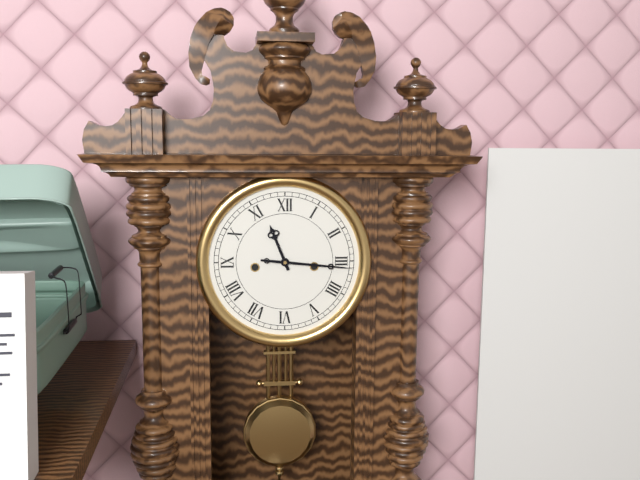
11:16
